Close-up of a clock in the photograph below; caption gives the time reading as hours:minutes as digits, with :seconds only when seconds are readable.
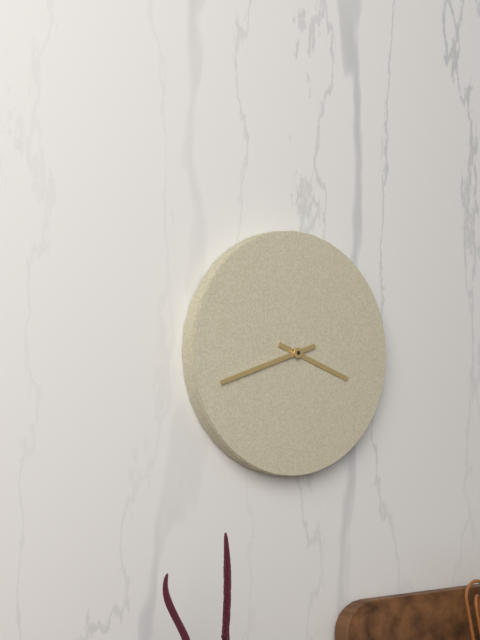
3:42
